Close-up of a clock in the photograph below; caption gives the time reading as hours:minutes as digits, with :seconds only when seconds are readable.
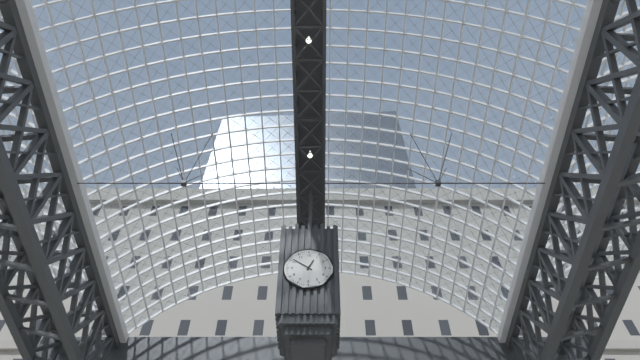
12:51
